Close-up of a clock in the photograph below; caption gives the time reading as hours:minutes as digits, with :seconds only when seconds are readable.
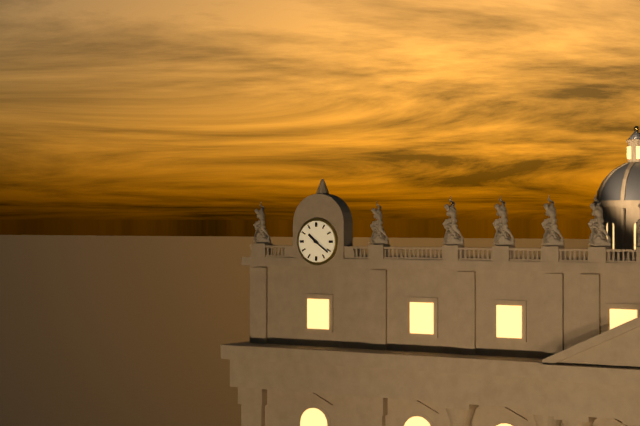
10:21
